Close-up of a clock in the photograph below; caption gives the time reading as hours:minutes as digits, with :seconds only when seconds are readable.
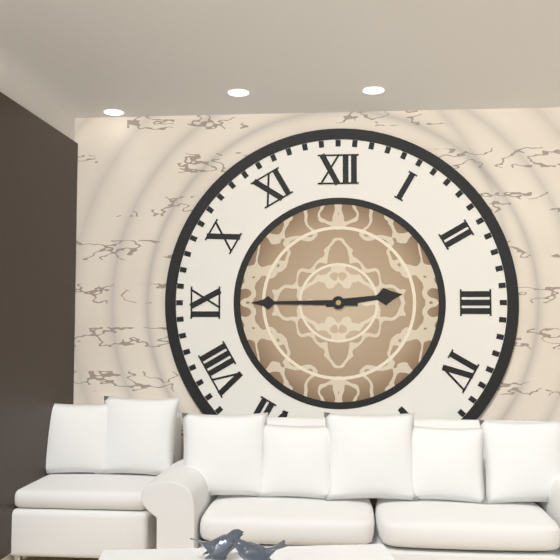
2:45
